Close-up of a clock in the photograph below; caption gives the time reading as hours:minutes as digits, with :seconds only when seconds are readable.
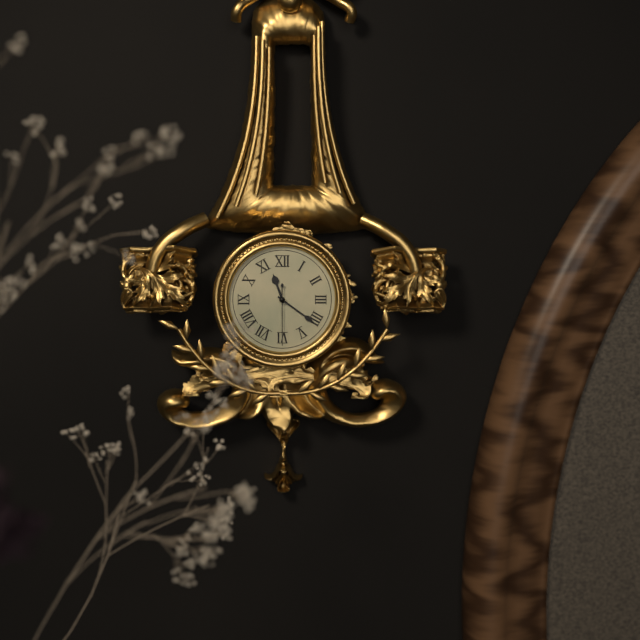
11:21:30
